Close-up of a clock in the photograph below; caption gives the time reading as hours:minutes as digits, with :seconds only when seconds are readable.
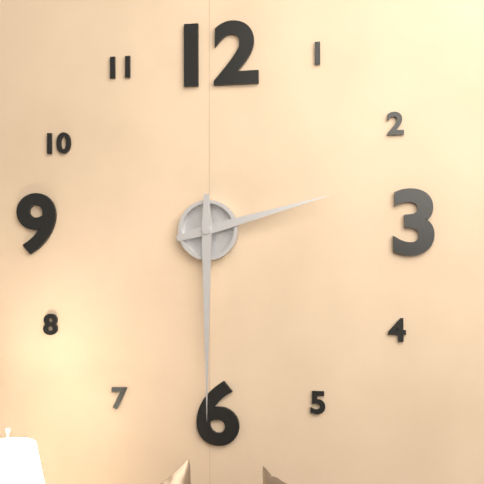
2:30
